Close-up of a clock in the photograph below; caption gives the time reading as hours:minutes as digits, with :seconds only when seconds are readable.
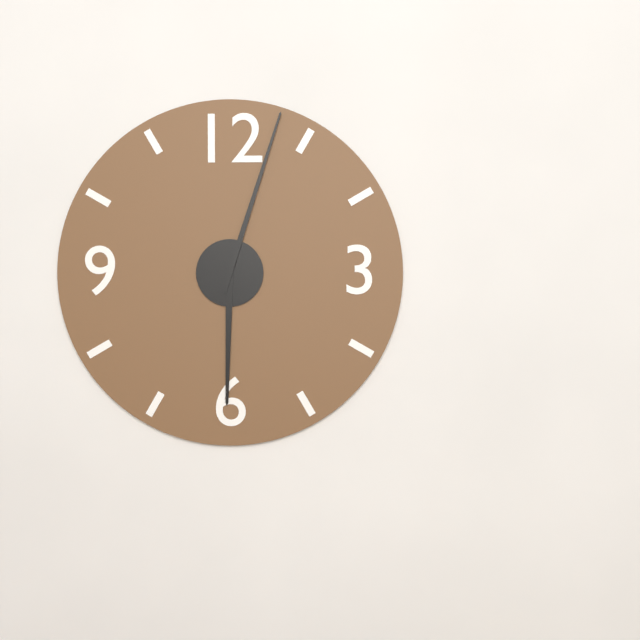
6:03
